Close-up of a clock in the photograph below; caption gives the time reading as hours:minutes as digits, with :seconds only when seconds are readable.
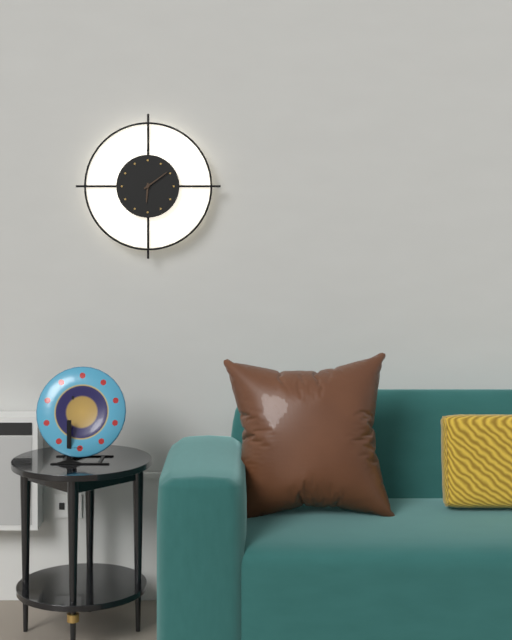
6:09
